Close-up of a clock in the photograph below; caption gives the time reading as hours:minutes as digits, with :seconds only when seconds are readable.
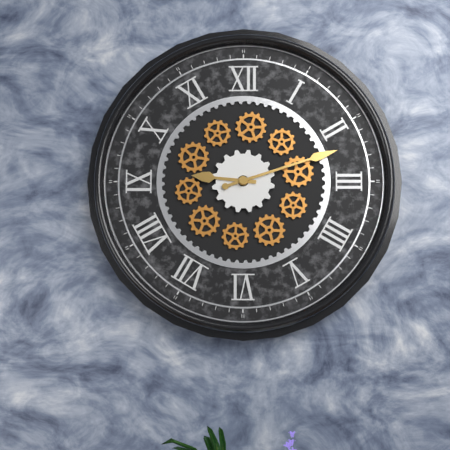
9:12
